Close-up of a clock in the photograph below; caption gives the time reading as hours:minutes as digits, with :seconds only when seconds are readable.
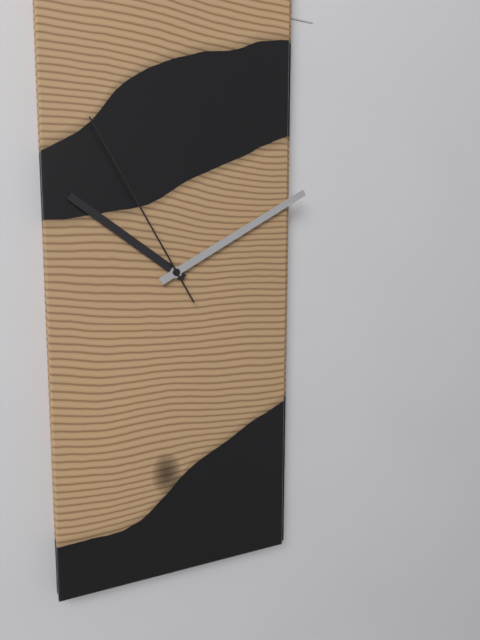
10:10:55
